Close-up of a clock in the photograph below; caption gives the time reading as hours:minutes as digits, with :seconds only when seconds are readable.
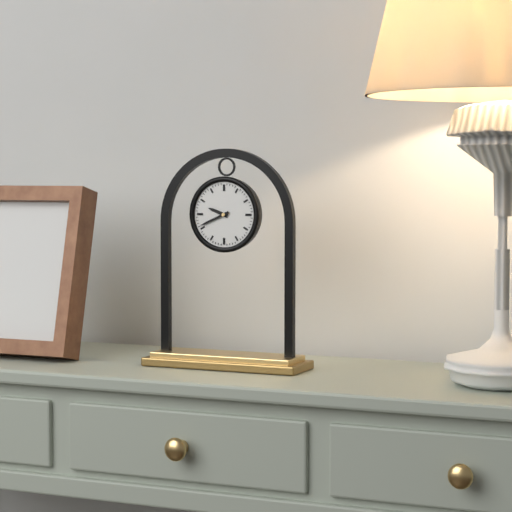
9:41
